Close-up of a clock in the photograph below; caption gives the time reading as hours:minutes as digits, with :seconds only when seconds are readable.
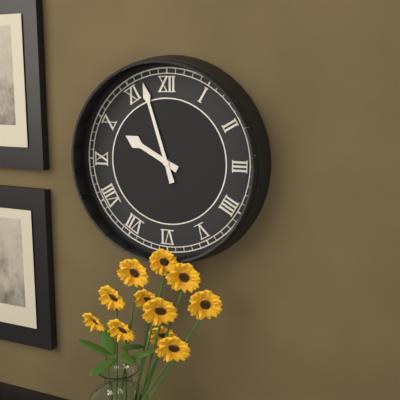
9:57
